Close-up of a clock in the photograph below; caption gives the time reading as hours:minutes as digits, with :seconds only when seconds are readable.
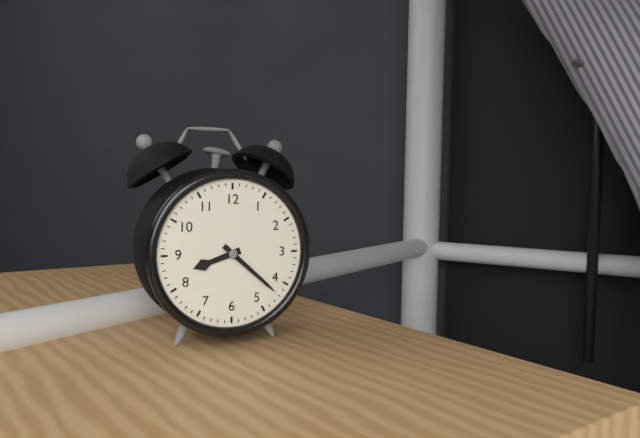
8:22
